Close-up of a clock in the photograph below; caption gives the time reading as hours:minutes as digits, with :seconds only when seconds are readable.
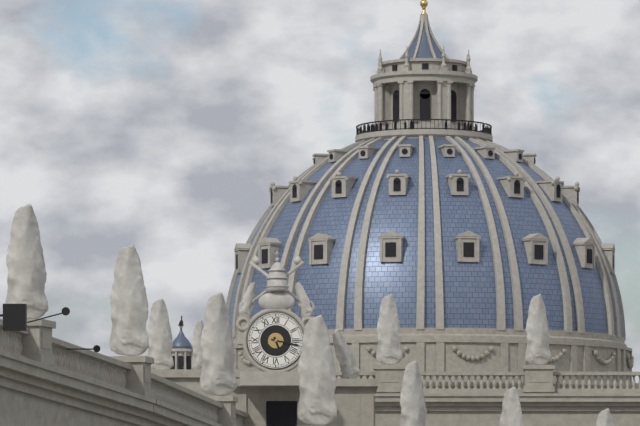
5:17
